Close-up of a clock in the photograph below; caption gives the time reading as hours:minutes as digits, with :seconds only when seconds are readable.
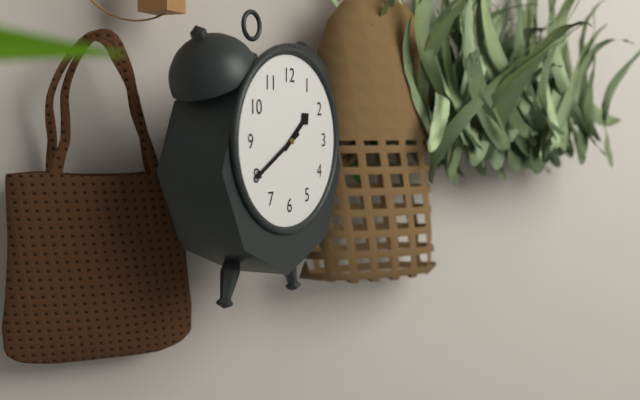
1:40
